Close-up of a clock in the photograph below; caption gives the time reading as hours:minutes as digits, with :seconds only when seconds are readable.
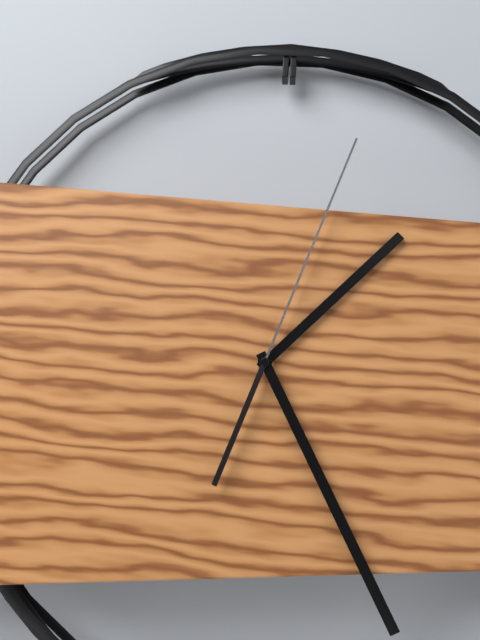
1:25:03
